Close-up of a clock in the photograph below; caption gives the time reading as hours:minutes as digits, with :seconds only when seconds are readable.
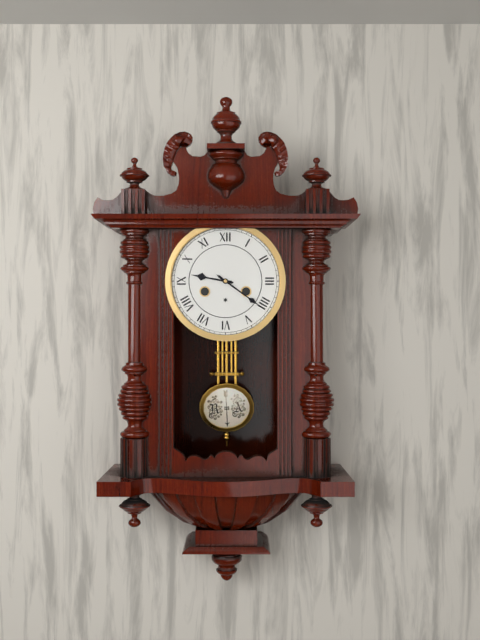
9:21
